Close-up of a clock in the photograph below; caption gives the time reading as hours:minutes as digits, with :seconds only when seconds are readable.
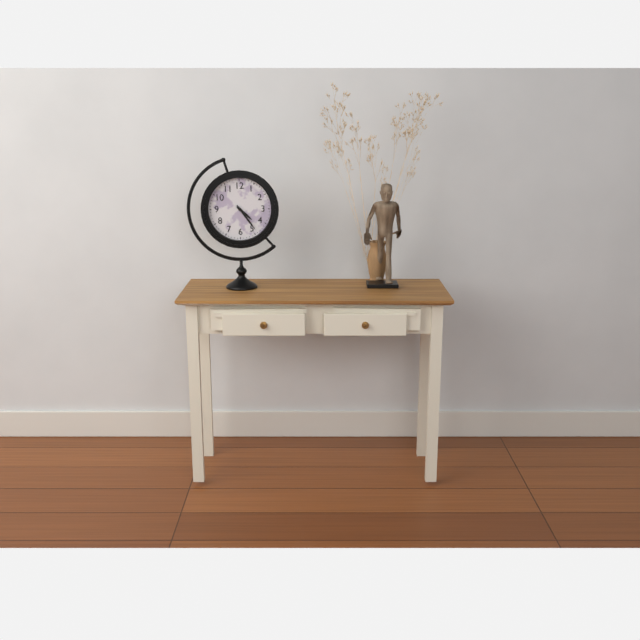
4:24
